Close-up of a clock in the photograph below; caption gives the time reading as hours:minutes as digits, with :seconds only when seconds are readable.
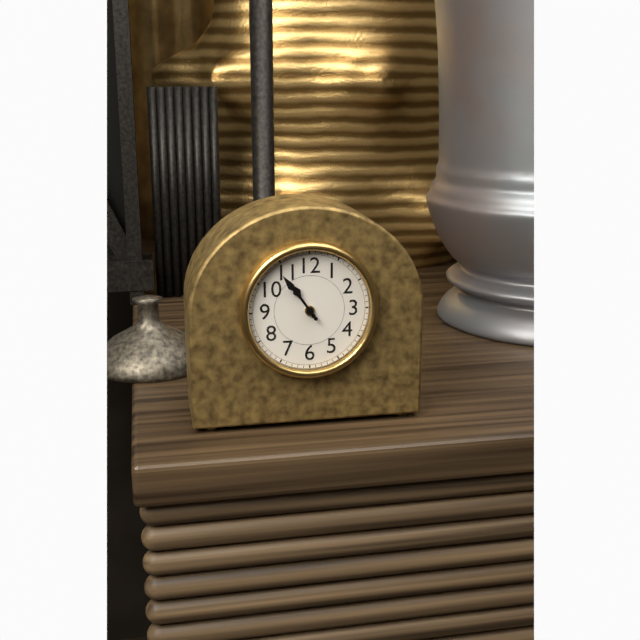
10:54
